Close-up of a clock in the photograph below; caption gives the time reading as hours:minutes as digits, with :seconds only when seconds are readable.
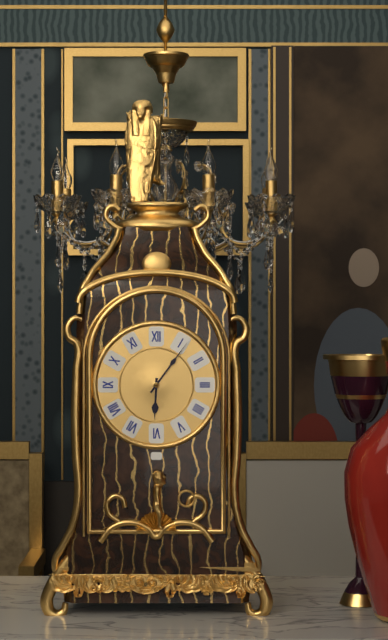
6:06
